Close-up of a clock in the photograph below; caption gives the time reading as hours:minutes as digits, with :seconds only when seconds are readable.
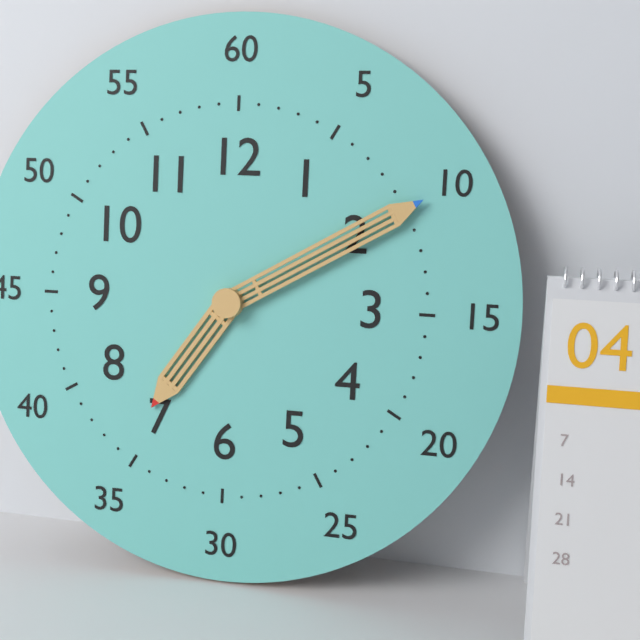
7:10
